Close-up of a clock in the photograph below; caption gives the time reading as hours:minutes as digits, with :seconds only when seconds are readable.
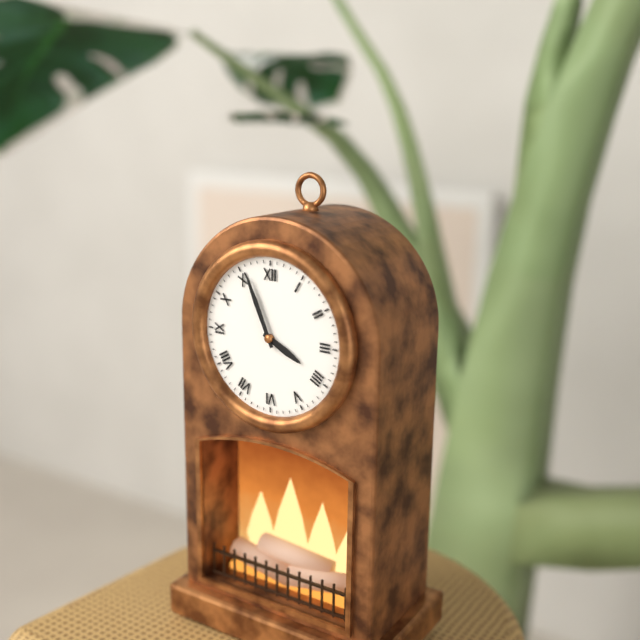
3:56
